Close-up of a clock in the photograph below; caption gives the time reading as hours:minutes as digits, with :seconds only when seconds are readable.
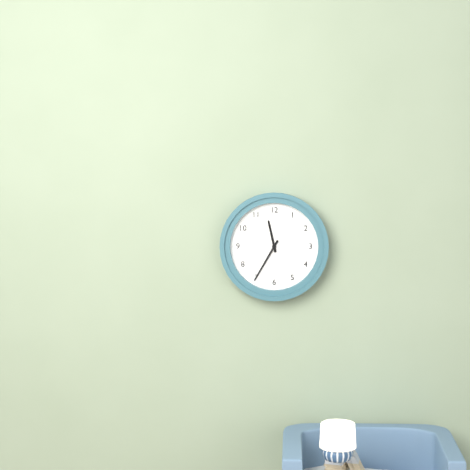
11:35
